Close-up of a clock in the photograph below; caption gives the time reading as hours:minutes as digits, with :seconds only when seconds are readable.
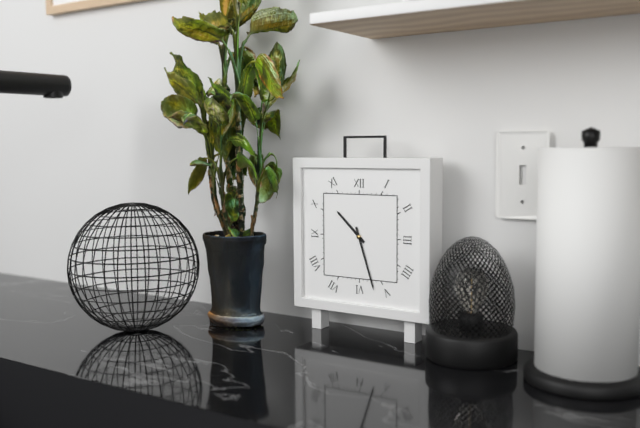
10:27
